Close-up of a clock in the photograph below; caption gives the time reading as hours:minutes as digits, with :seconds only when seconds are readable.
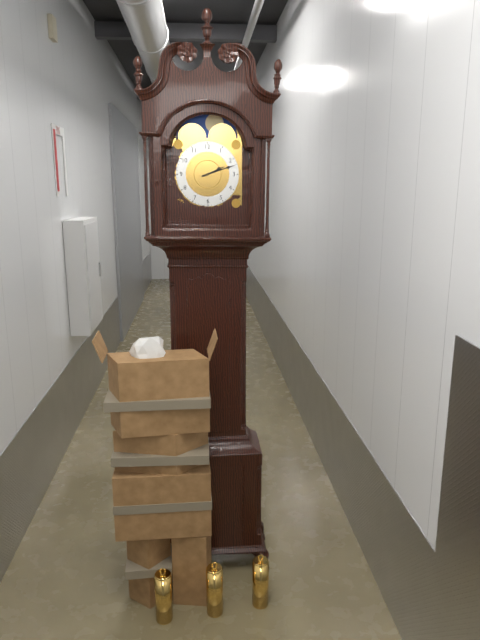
2:12
